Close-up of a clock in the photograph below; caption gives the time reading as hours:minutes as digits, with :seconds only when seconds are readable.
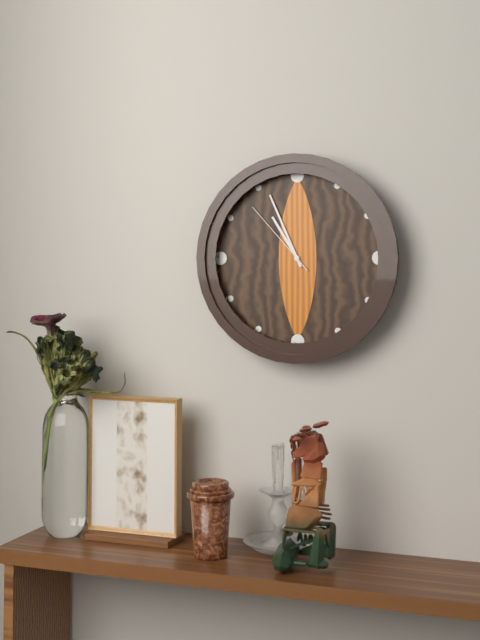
10:56:53
